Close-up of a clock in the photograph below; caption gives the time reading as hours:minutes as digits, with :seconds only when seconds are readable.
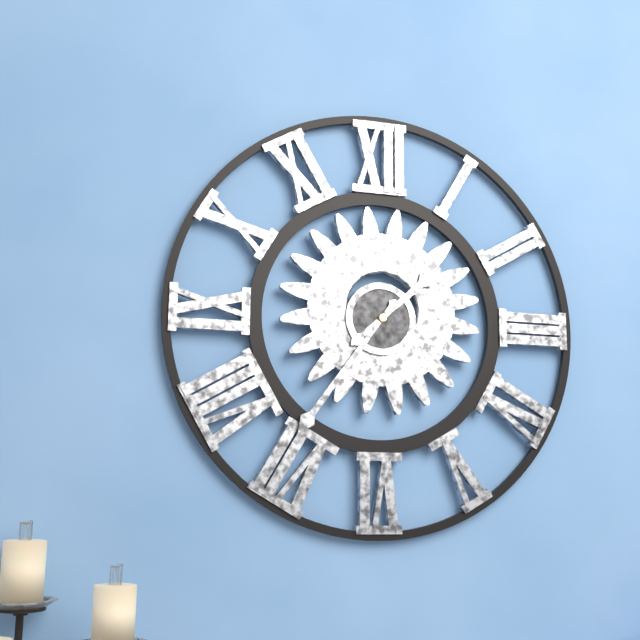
1:36
